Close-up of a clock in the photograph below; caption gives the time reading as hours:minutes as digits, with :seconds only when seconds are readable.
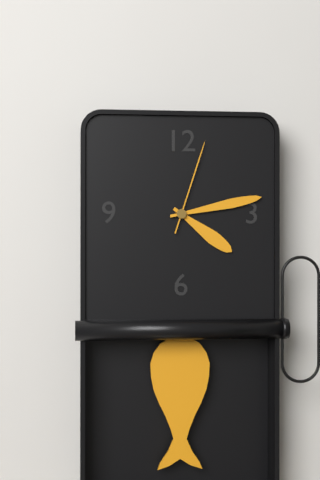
4:13:03
